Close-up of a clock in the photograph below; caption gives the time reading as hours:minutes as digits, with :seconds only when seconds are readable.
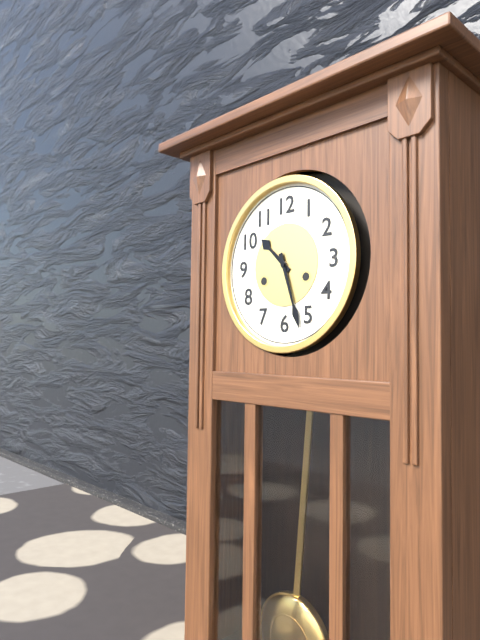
10:27
